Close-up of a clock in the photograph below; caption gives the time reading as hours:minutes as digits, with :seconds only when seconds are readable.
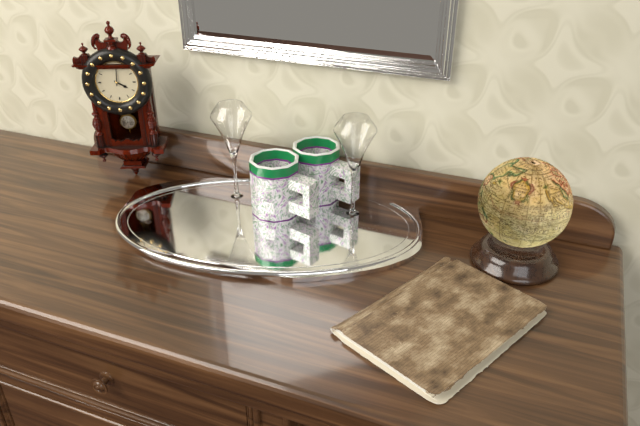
4:01
